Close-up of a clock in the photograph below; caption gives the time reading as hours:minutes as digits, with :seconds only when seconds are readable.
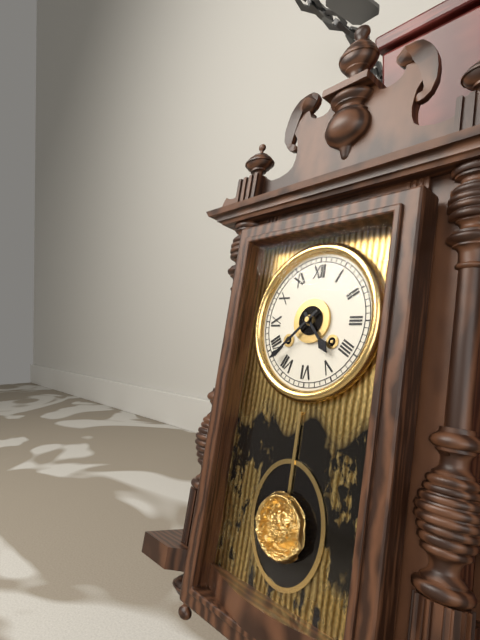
4:38
